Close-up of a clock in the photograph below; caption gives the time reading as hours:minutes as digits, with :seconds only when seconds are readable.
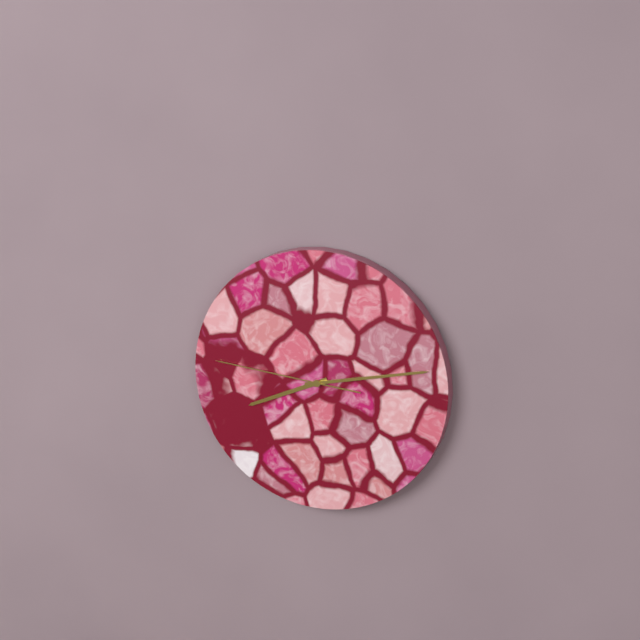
8:13:46
